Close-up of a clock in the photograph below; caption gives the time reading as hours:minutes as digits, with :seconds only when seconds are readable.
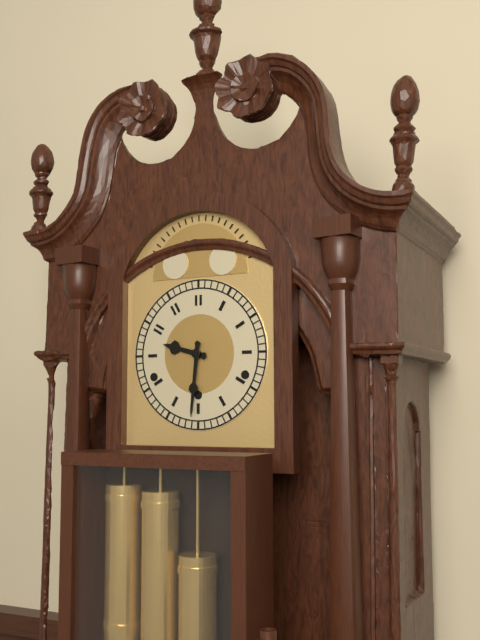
9:31
